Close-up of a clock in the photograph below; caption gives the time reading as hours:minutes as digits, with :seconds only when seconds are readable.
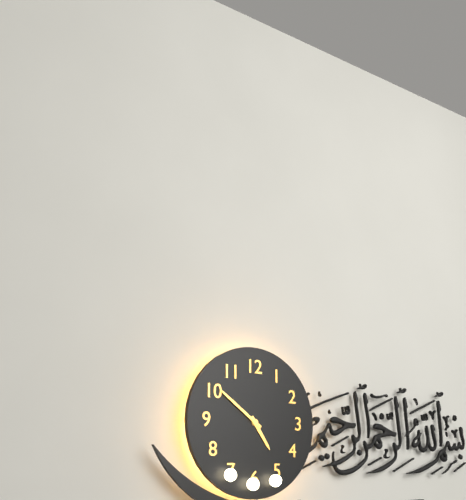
4:51
